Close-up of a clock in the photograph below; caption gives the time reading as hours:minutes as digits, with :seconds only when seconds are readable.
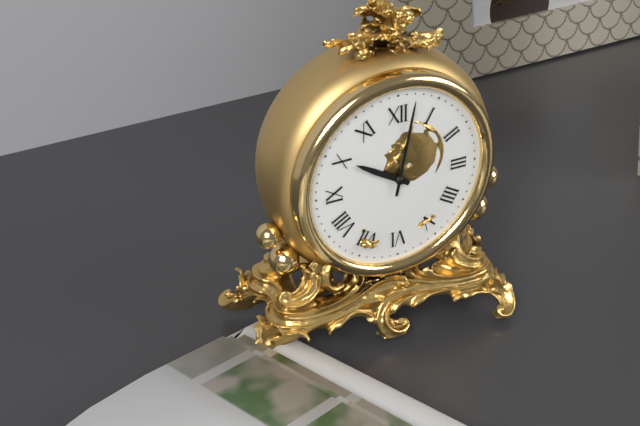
10:02
